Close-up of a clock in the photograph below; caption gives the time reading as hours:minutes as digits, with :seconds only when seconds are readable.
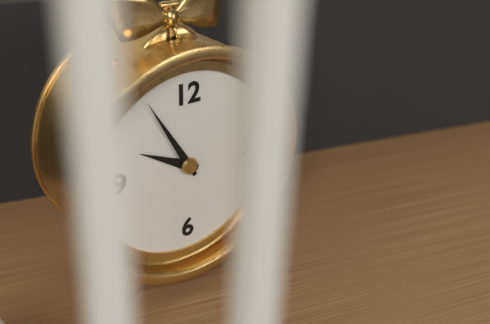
9:55
